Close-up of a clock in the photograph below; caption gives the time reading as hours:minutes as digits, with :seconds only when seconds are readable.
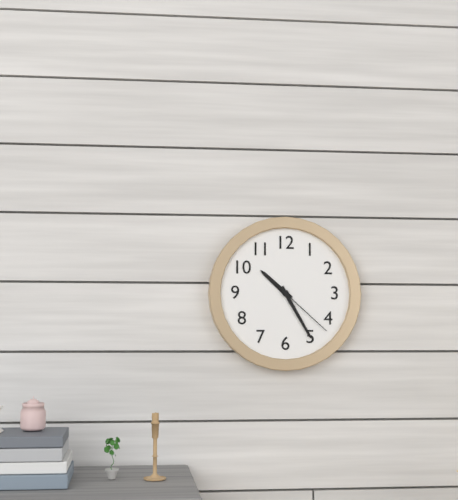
10:25:22
